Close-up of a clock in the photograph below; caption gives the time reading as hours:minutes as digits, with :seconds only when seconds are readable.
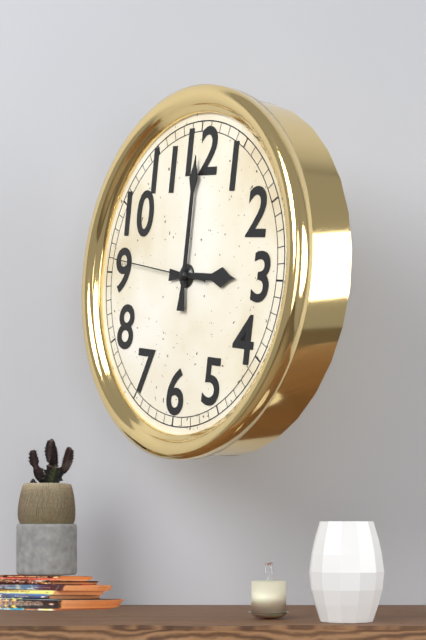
3:00:46
